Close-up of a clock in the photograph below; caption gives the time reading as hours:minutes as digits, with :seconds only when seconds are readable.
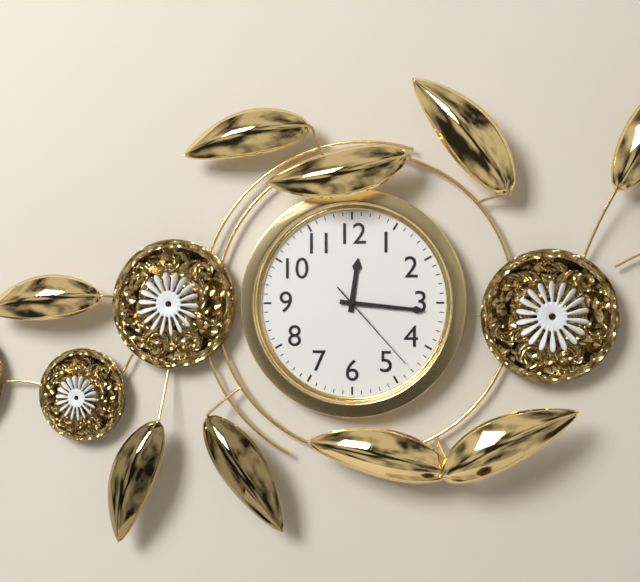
12:16:23
